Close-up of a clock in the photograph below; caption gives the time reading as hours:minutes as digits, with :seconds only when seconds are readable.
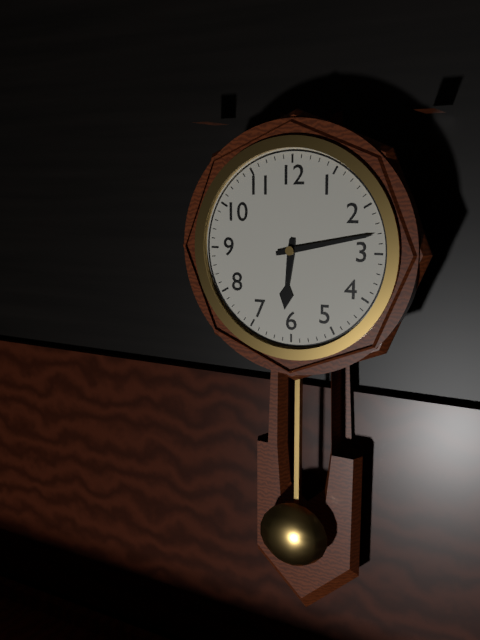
6:13
